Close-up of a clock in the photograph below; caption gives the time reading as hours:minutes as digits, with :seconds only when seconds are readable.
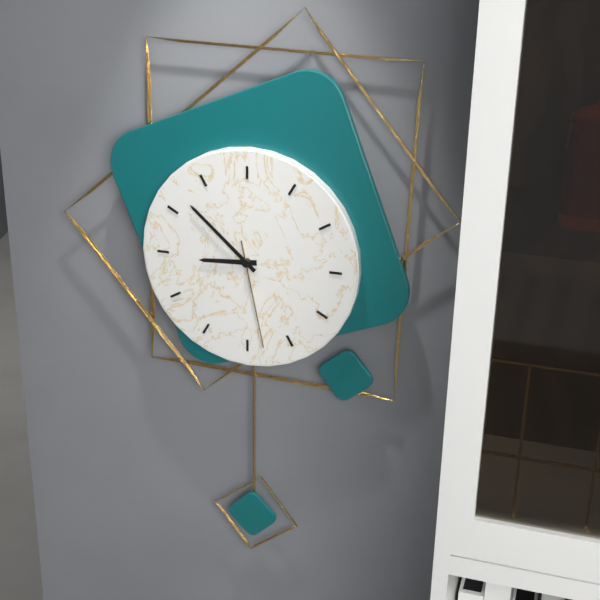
8:52:28
